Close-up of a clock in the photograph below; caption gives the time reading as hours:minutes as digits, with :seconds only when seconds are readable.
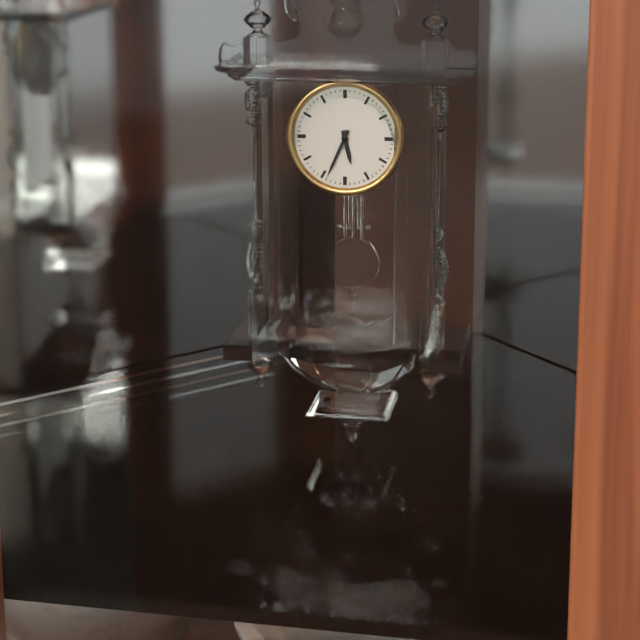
5:34
